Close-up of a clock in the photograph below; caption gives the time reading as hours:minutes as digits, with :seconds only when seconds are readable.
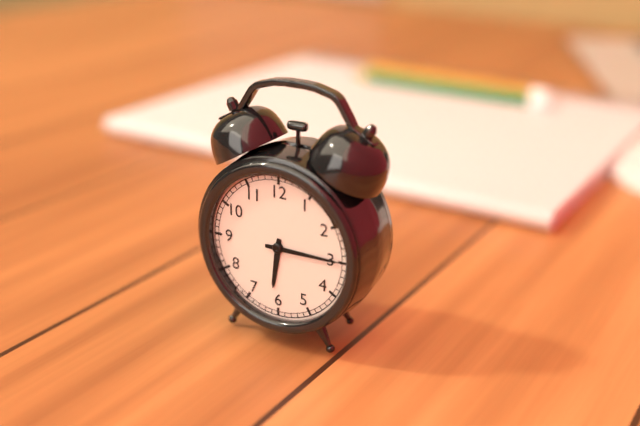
6:15
